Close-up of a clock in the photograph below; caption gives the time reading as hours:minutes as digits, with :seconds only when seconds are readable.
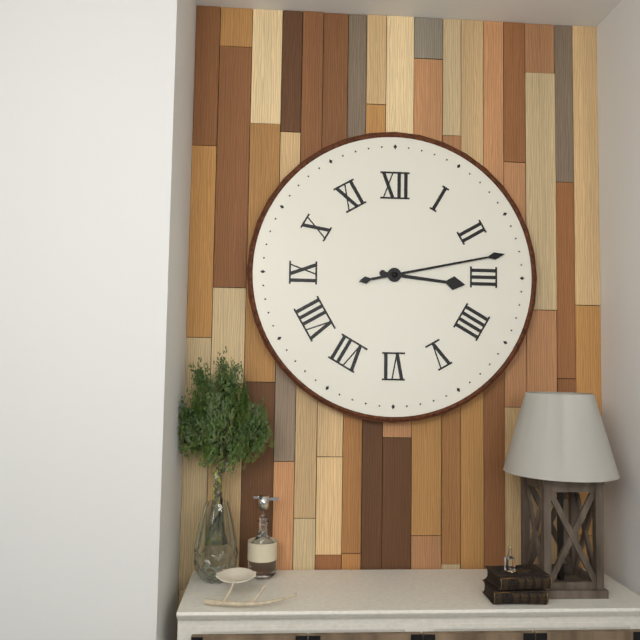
3:13
